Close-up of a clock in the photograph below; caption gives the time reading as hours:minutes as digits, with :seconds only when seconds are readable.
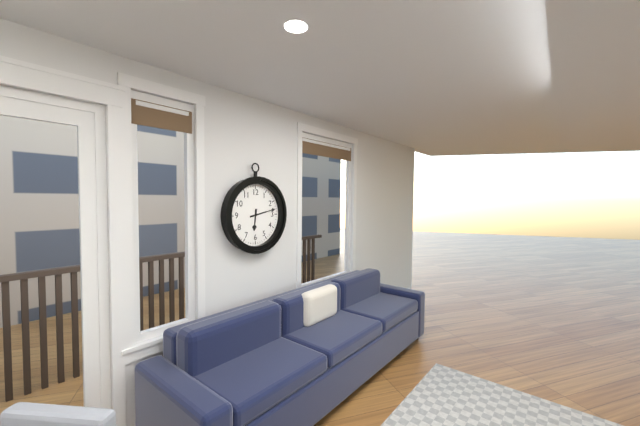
6:13
